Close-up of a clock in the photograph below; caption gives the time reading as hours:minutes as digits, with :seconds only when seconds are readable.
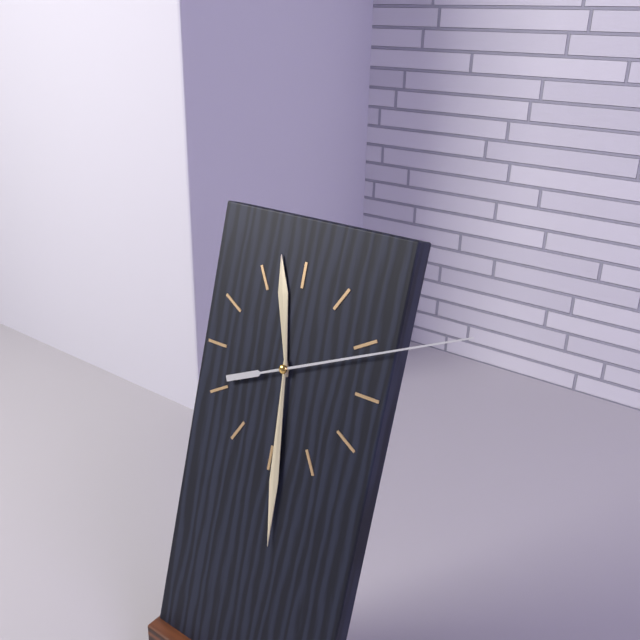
11:29:11
